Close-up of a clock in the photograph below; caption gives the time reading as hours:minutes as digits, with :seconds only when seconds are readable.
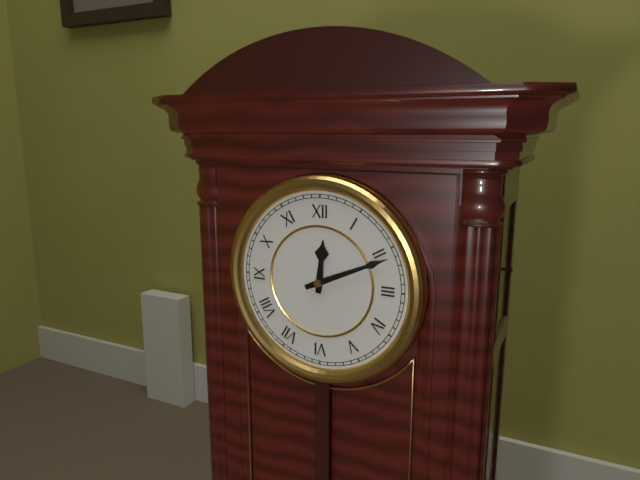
12:11
